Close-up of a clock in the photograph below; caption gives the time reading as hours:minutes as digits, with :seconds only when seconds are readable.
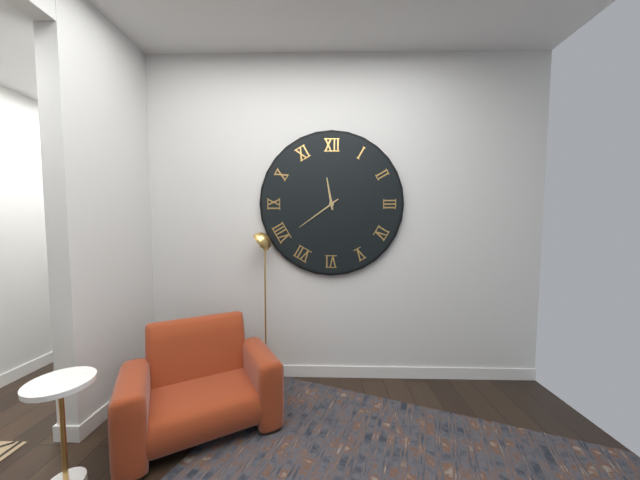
11:39
